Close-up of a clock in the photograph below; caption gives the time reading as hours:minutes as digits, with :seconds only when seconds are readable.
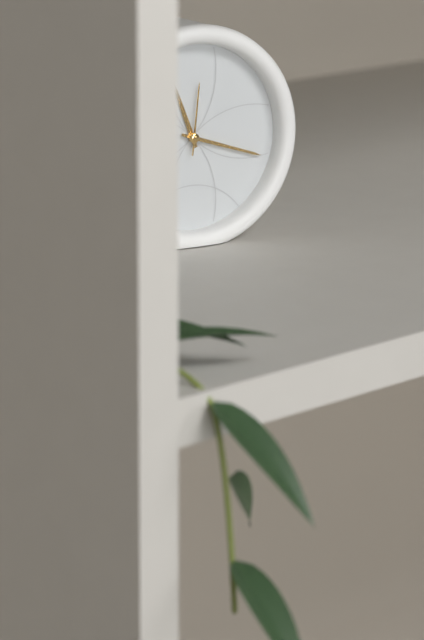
11:18:01
